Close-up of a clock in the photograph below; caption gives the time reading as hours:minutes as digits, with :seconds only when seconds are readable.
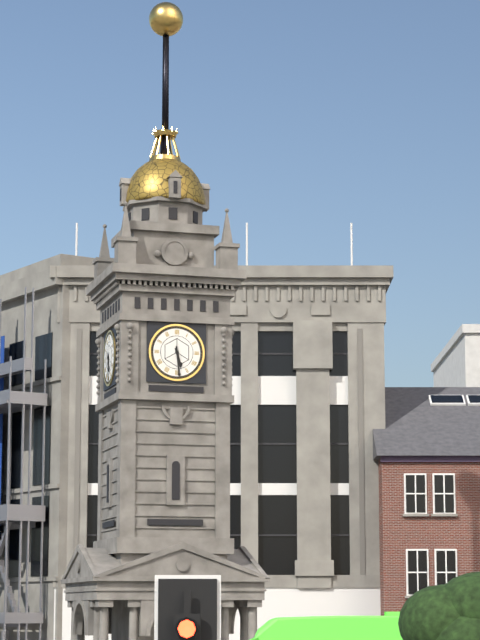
5:29
